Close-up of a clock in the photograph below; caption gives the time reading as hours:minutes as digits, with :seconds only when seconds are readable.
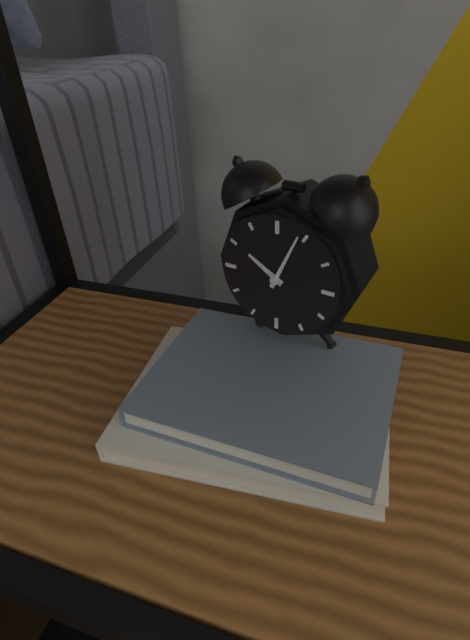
10:04
